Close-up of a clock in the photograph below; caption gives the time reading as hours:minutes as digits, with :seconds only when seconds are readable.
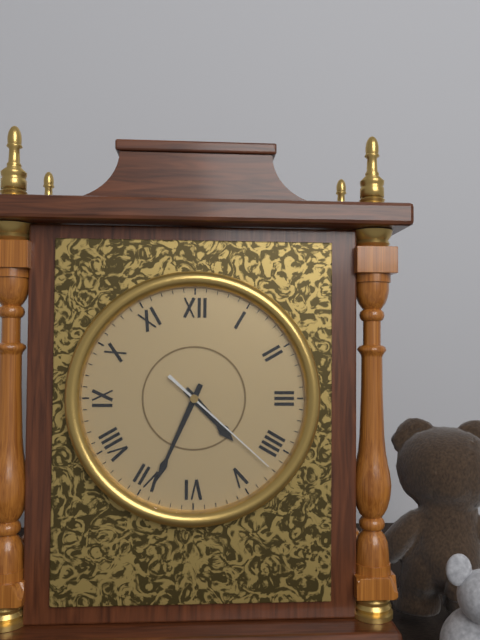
4:34:22
